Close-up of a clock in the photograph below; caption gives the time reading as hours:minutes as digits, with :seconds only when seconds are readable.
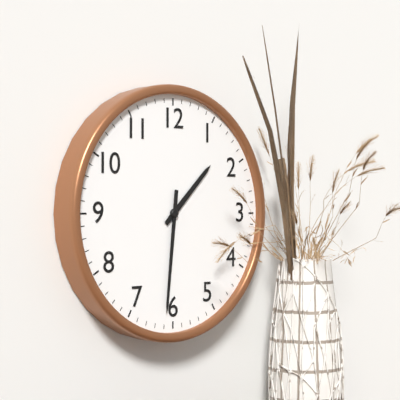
1:31
